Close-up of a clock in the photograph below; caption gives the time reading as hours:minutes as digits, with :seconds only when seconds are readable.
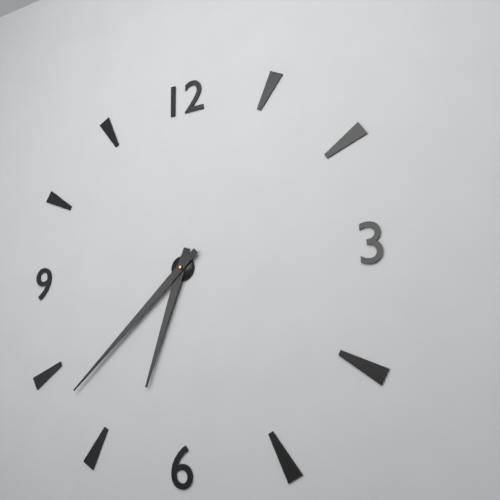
6:38
